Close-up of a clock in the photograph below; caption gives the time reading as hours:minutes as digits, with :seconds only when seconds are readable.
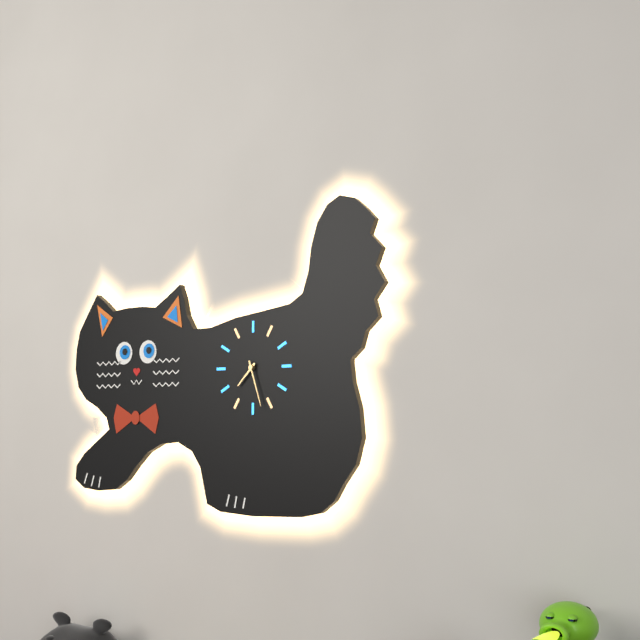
7:27
